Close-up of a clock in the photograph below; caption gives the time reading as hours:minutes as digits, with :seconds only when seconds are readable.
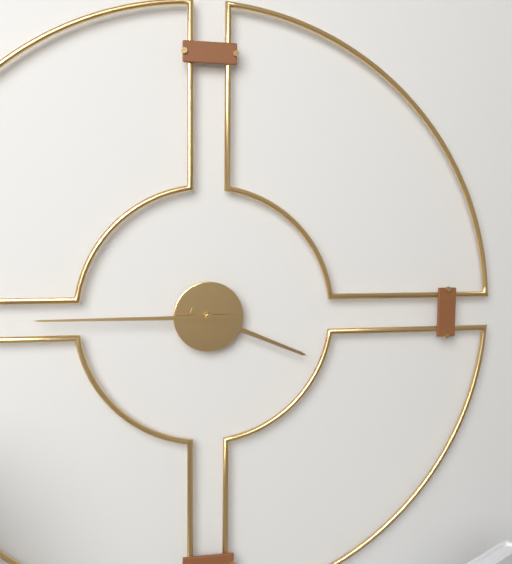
3:45
